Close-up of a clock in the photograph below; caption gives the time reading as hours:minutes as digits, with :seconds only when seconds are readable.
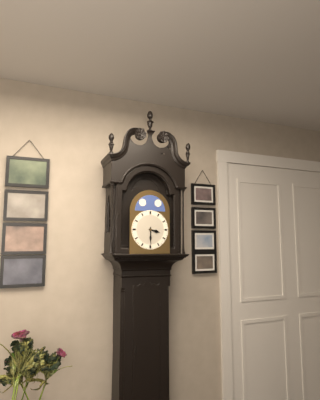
3:30
